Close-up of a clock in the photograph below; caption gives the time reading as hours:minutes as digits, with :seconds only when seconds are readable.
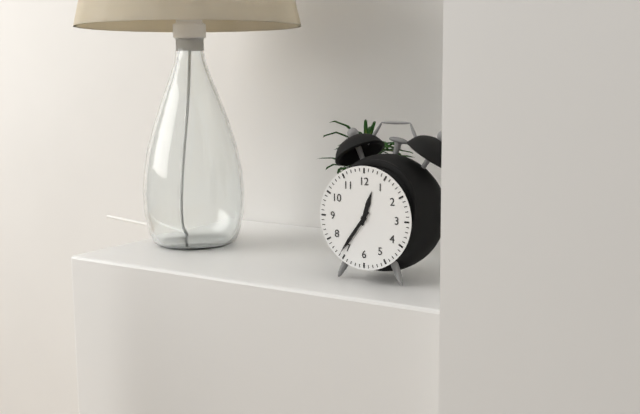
12:36
